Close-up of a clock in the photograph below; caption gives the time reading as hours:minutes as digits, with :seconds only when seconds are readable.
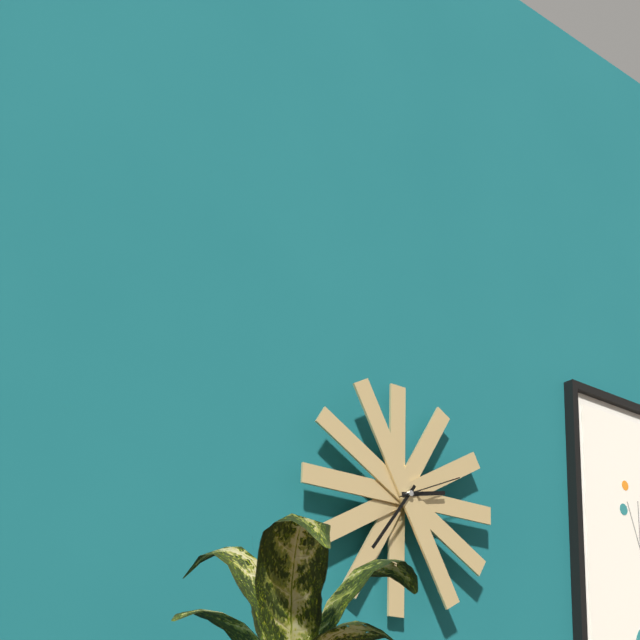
2:36:11
